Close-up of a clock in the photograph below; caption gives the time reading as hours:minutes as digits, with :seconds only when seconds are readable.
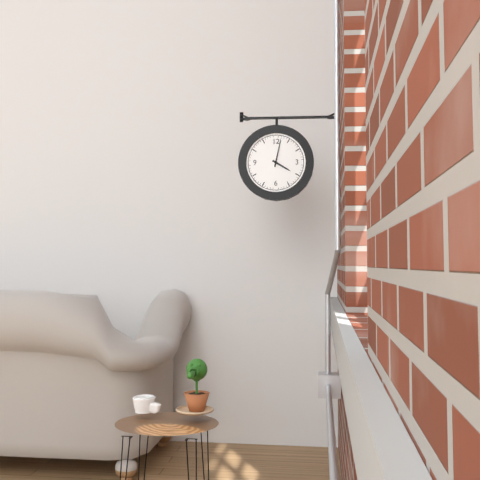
4:02
